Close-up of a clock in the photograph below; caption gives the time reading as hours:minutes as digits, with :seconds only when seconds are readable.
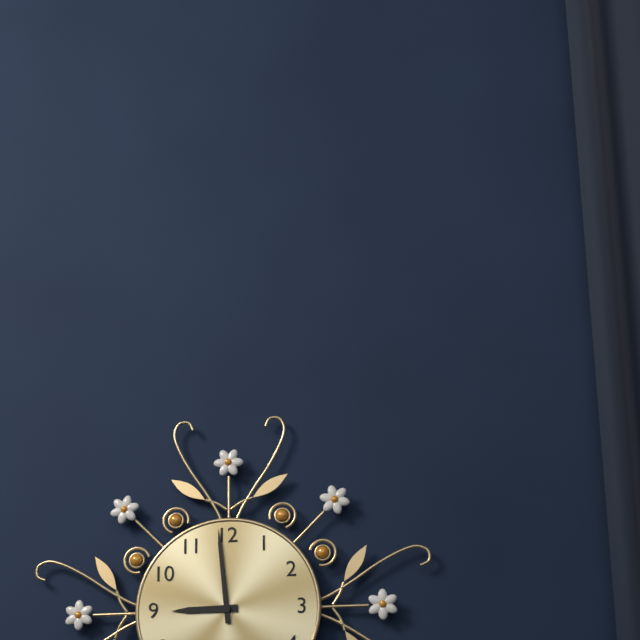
8:59
